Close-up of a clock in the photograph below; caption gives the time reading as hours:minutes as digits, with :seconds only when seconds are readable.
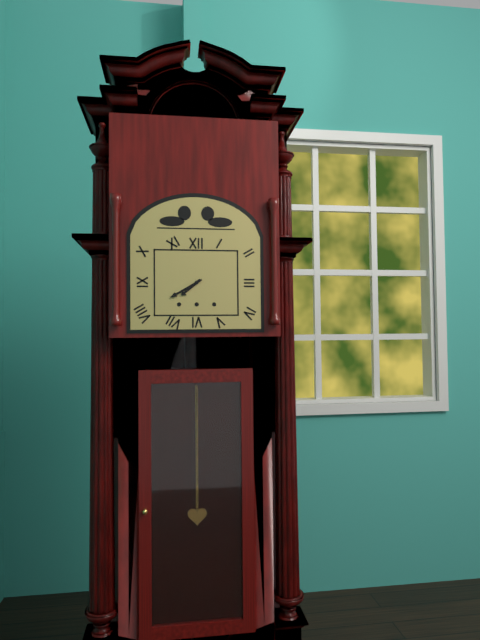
7:40
